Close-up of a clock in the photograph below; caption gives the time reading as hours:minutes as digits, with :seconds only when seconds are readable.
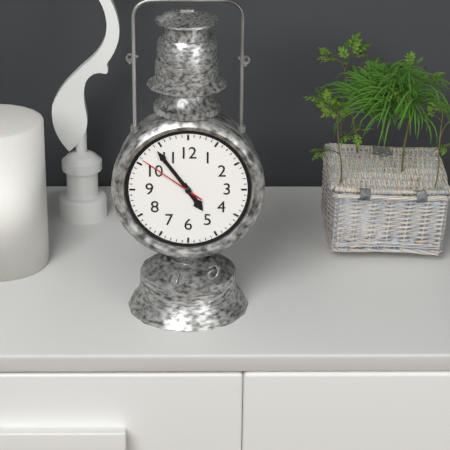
4:54:51
